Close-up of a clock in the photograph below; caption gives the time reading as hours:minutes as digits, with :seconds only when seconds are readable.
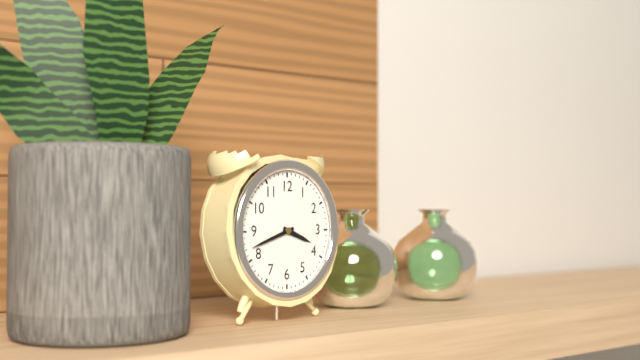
3:42
